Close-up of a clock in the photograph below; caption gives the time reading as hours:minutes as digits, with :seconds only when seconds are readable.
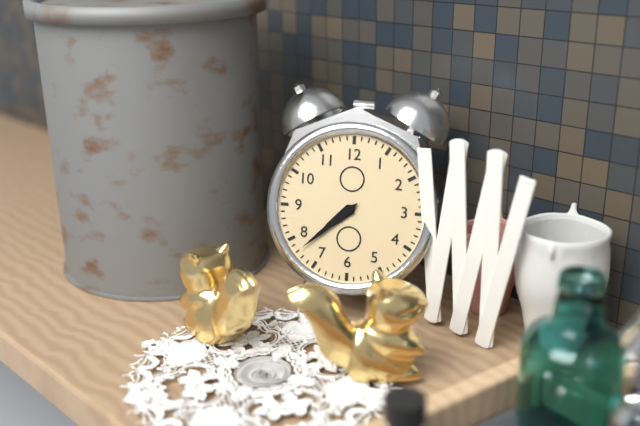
7:38
